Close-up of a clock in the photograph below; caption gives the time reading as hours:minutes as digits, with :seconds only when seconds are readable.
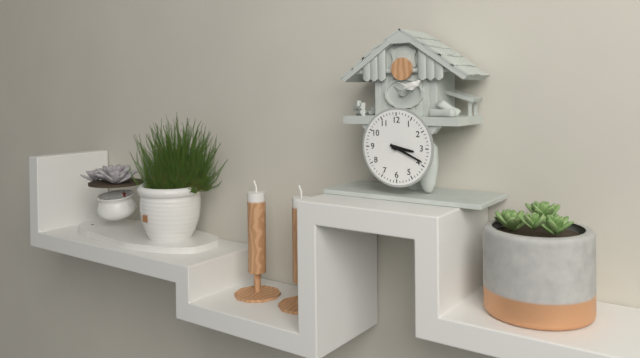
3:19
